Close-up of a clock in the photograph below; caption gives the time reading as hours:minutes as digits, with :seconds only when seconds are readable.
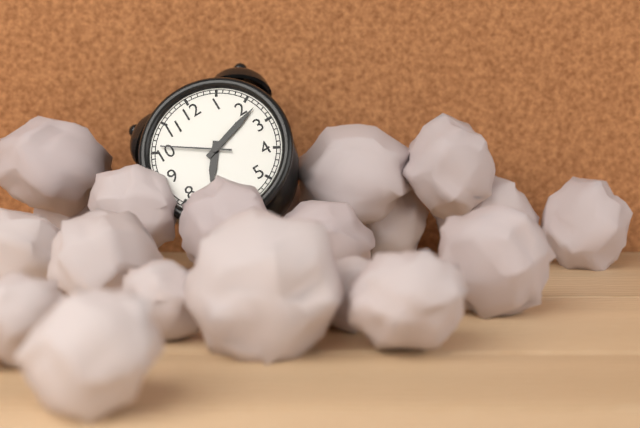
7:12:51
